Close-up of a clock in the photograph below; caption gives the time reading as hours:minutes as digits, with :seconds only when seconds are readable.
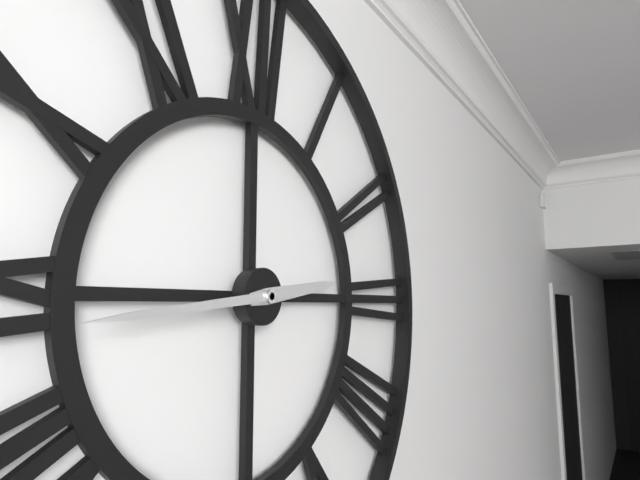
2:44
